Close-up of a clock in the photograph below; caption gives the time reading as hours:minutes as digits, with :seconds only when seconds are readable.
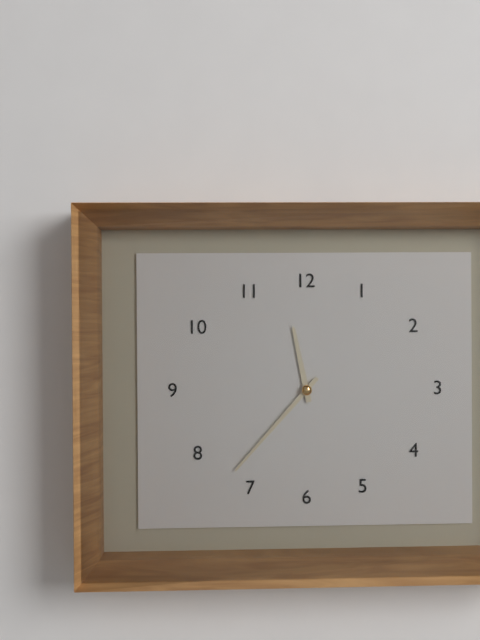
11:37
